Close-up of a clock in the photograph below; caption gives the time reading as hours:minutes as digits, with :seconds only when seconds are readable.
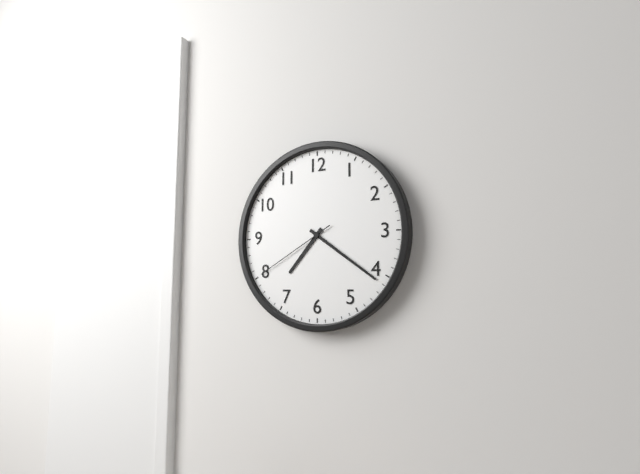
7:21:40
